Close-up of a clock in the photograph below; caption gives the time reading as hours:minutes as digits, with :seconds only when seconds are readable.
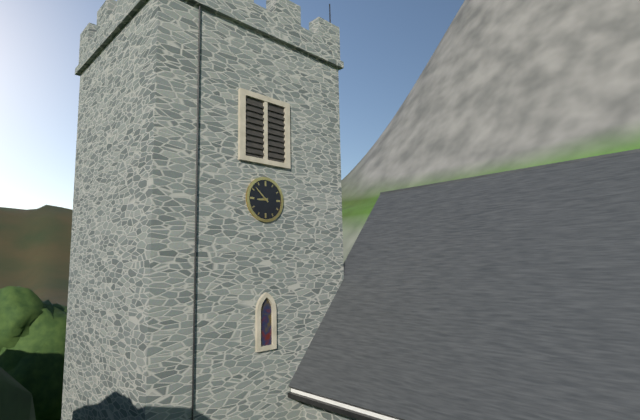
8:52
